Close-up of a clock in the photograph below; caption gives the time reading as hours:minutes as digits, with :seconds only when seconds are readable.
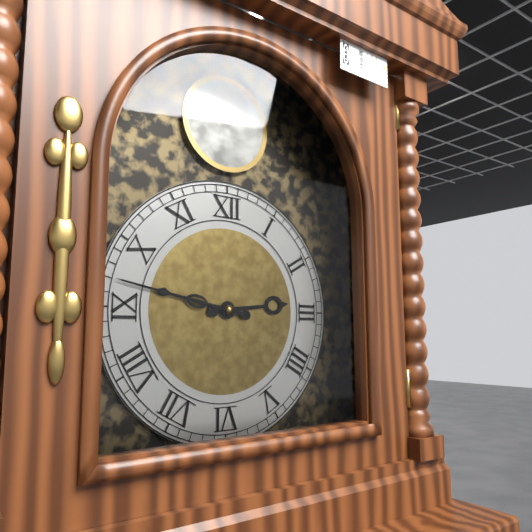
2:47
